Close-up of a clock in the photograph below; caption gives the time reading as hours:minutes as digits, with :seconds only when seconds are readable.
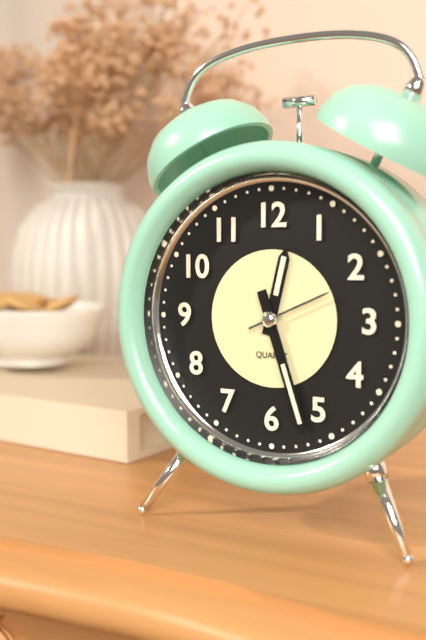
12:27:11
